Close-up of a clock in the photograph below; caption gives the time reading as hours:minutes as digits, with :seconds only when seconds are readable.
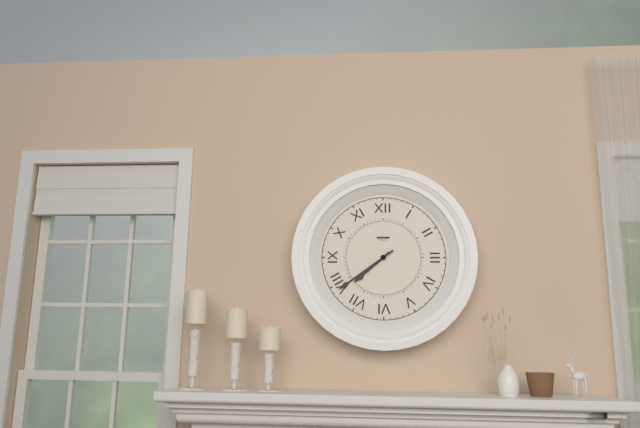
7:39
